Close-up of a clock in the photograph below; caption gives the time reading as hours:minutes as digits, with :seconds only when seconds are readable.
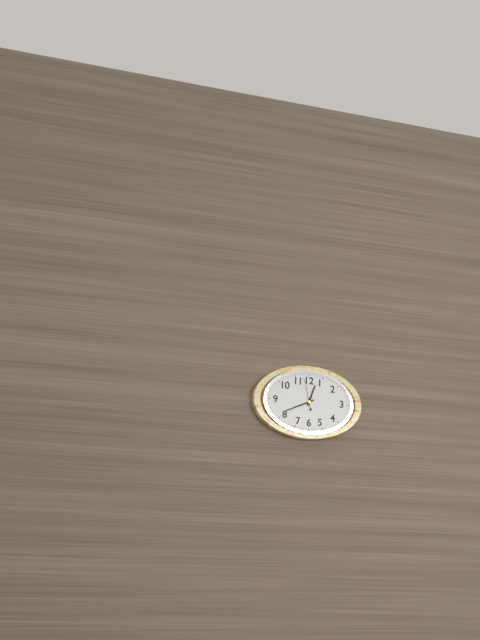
12:41
